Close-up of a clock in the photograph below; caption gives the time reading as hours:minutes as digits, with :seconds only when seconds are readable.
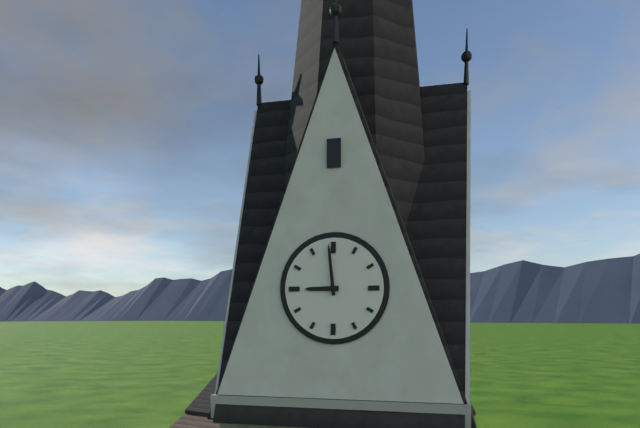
8:59
